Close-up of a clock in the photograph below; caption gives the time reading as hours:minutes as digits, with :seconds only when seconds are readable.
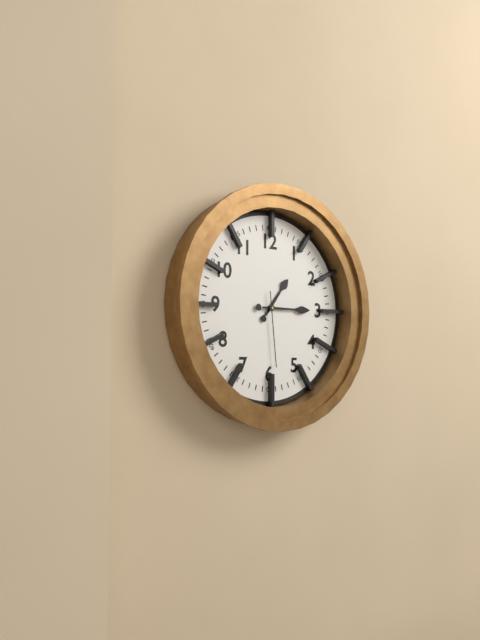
1:15:29
